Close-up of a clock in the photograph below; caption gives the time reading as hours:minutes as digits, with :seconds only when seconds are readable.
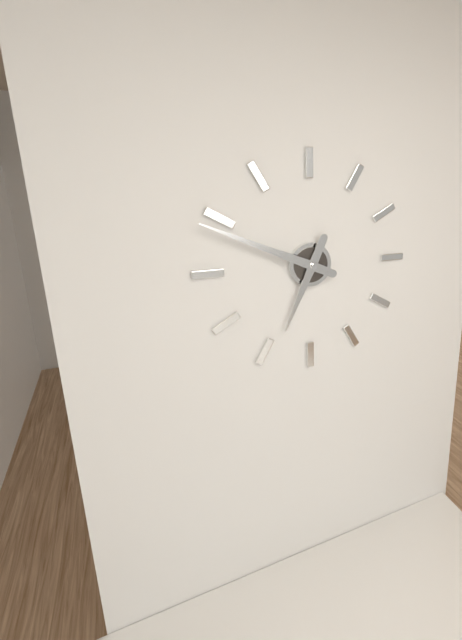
6:49
